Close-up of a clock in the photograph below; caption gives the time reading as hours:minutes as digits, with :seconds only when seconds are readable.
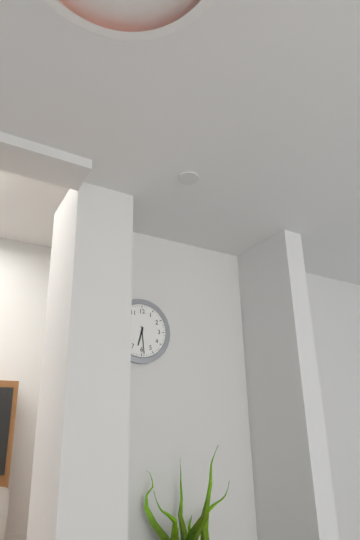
6:29
